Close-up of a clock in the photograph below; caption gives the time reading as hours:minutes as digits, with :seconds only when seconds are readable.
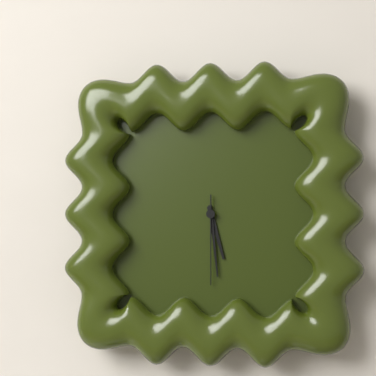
5:29:30
